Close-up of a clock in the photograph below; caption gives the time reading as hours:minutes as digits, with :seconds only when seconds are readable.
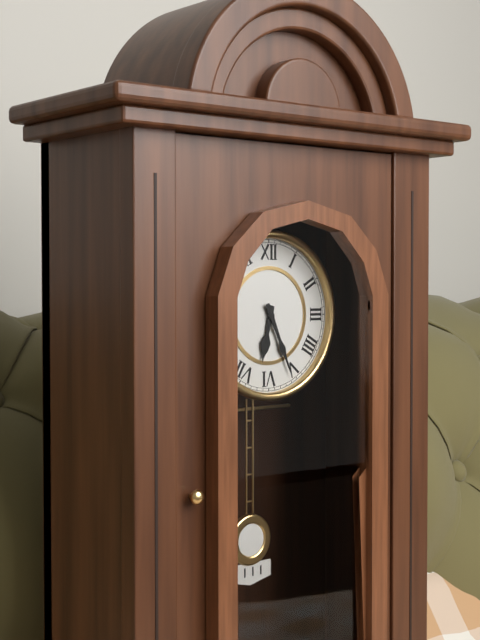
6:26
